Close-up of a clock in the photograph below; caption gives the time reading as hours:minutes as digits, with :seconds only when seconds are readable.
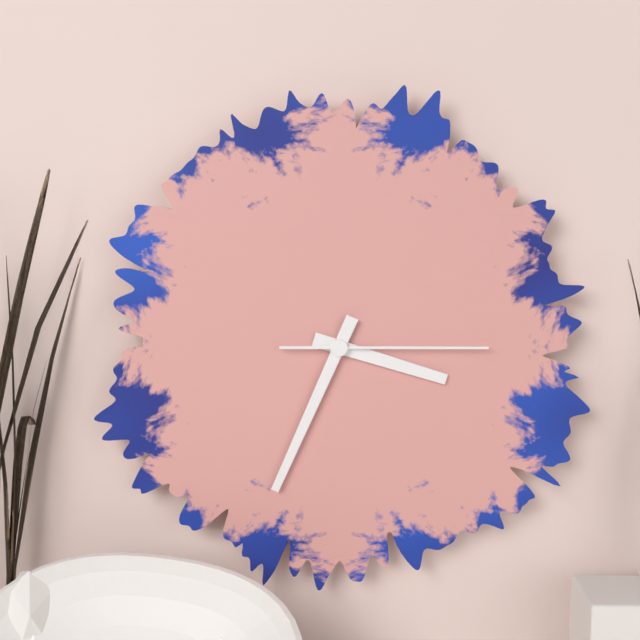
3:34:15
